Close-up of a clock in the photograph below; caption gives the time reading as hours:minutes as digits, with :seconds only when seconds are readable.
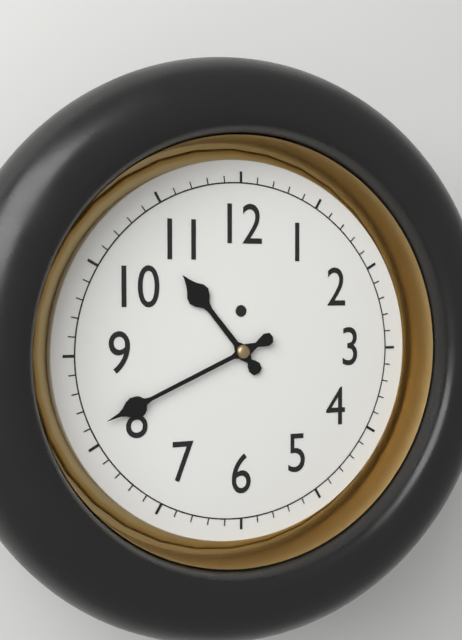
10:41
